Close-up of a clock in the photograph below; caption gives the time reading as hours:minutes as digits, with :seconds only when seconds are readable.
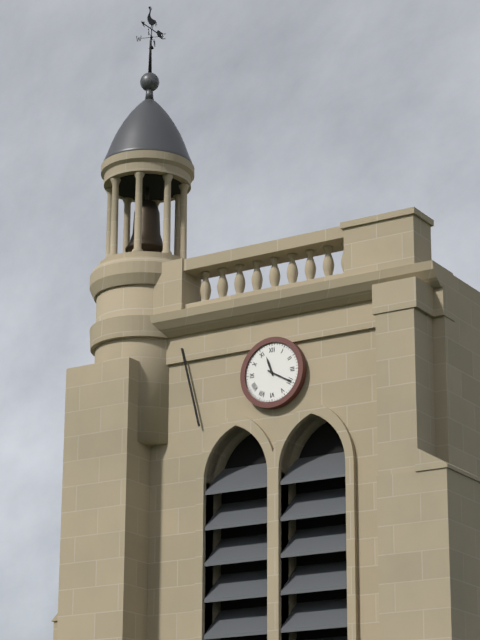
11:20
